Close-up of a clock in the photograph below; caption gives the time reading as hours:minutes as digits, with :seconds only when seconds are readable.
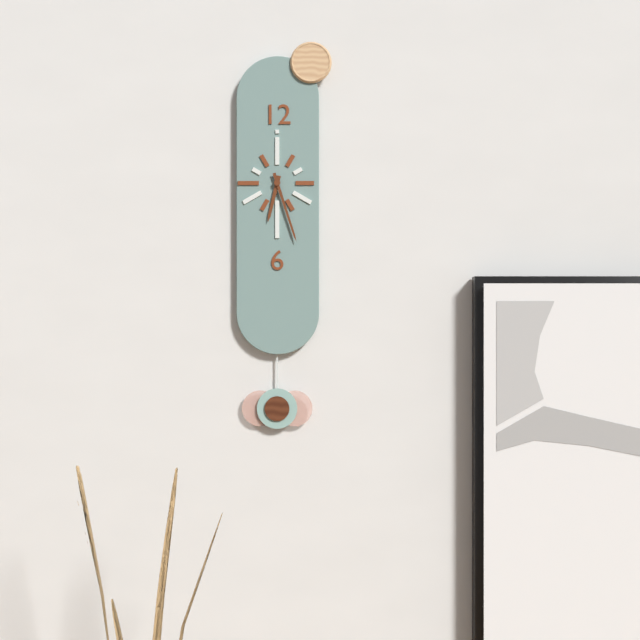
6:27
